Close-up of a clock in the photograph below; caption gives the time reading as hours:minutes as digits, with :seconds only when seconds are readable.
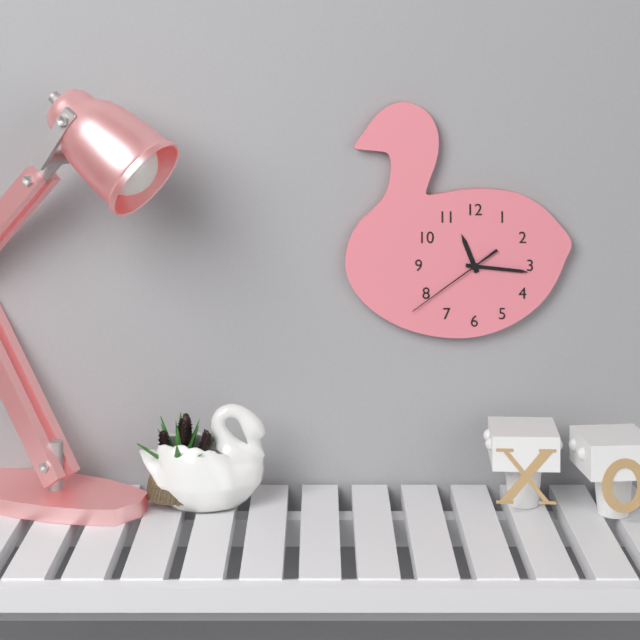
11:16:39
